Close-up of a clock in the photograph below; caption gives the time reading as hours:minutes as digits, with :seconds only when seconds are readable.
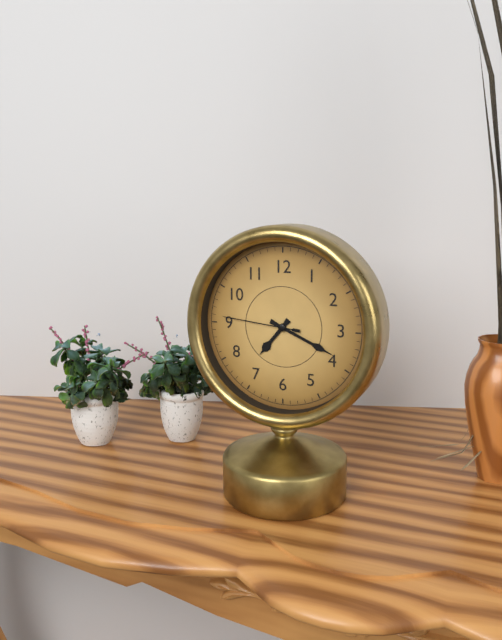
7:19:46
